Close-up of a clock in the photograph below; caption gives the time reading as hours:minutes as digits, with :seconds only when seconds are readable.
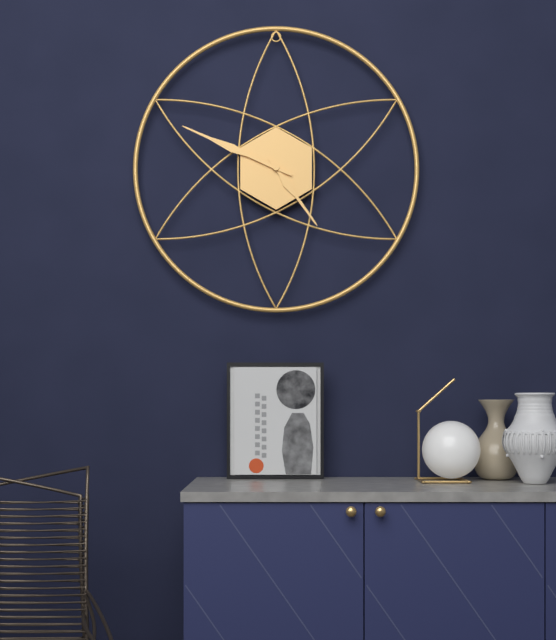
4:49
